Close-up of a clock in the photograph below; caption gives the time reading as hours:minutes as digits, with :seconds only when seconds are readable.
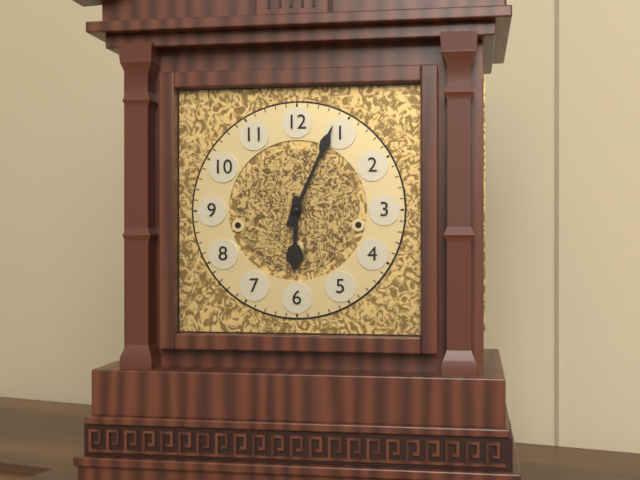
6:04
